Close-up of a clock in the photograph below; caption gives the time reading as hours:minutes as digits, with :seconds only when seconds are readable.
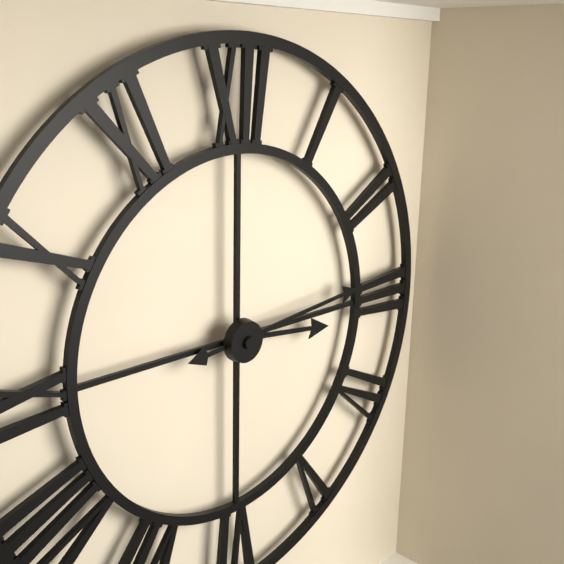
3:14
